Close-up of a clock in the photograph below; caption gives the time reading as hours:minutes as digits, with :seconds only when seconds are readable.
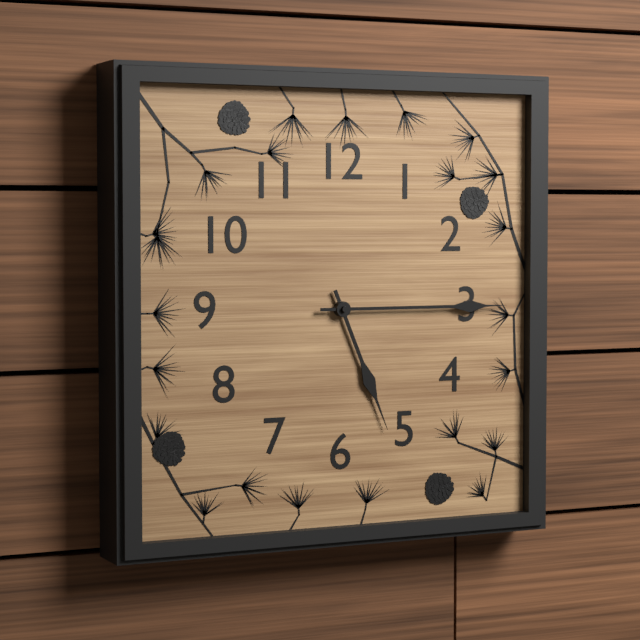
5:15
